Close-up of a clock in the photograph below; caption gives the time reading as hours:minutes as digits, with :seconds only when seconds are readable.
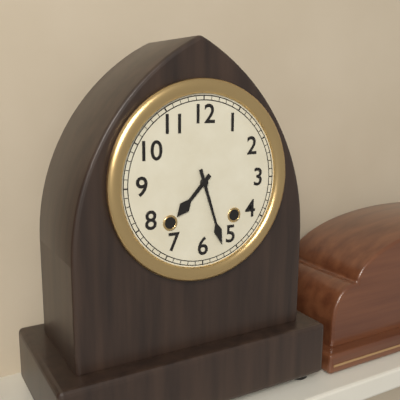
7:27
